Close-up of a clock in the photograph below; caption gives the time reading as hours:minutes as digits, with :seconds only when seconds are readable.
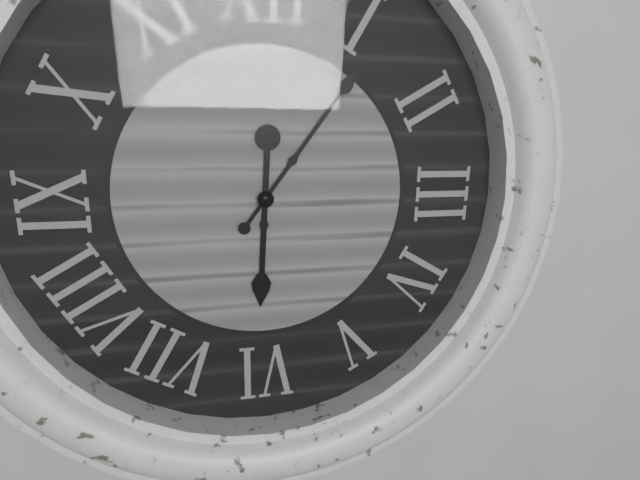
6:06
